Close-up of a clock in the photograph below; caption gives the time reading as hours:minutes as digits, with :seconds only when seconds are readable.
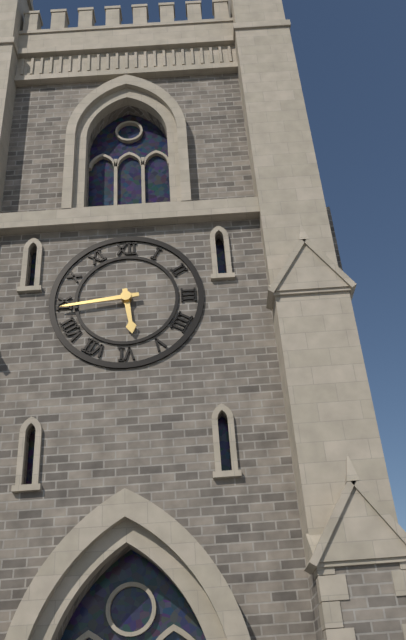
5:44
